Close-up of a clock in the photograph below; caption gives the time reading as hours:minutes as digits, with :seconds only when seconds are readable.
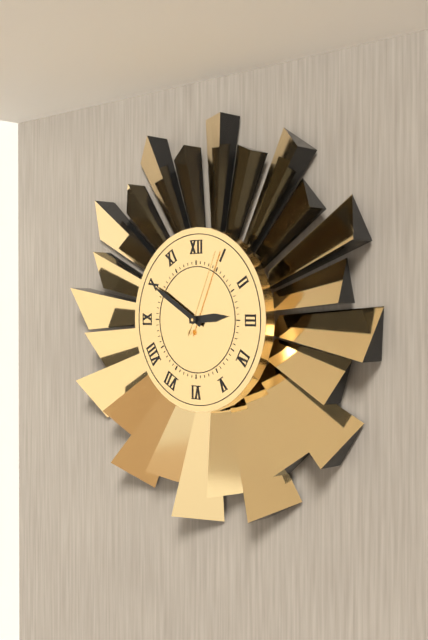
2:50:04
